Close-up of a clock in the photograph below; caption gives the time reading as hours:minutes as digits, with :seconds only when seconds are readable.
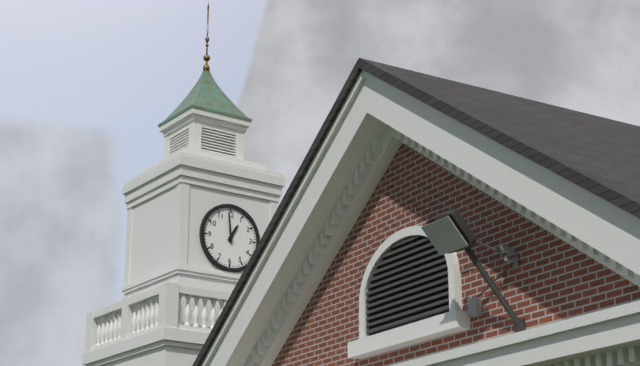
12:59
